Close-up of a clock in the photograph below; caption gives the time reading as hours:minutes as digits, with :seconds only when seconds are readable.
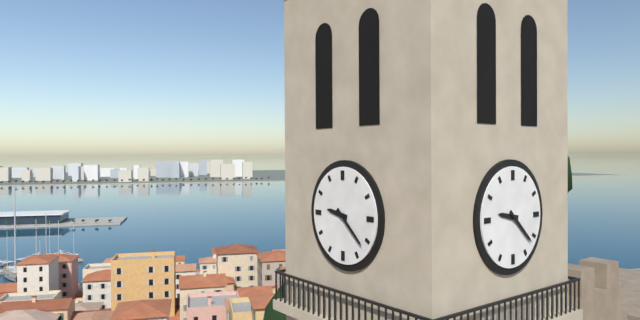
9:22
